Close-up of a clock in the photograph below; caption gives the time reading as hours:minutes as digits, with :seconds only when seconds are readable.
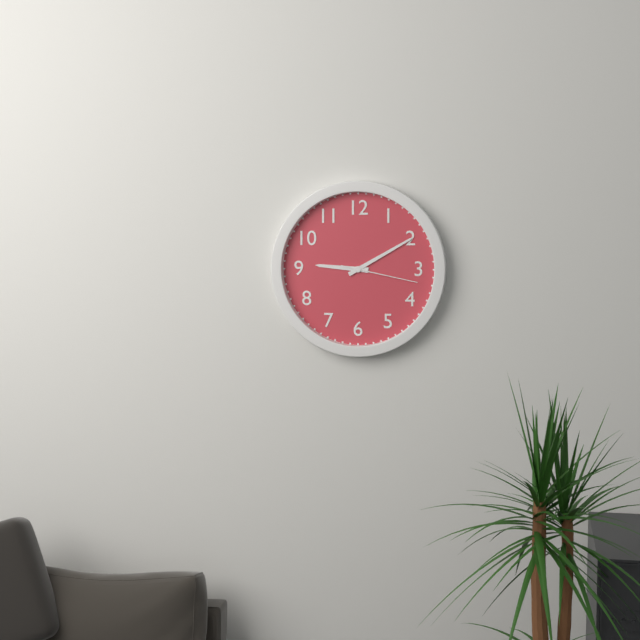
9:10:17
